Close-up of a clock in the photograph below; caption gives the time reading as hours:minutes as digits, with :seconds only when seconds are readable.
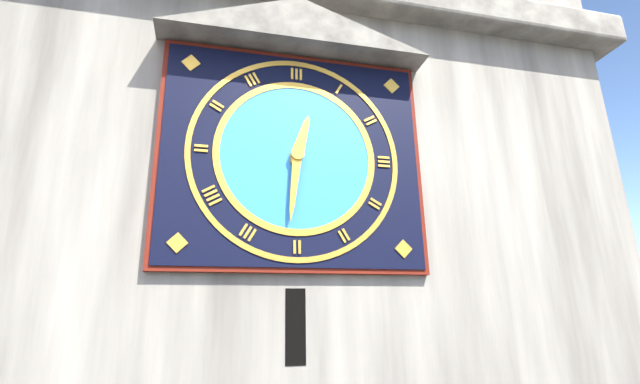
12:31
